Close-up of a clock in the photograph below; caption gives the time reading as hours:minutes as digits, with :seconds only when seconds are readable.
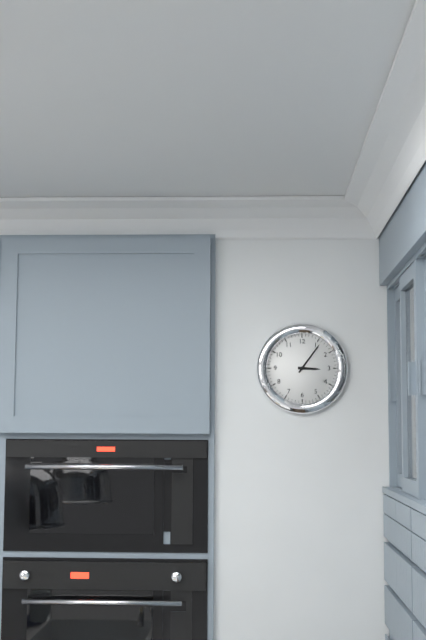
3:06
